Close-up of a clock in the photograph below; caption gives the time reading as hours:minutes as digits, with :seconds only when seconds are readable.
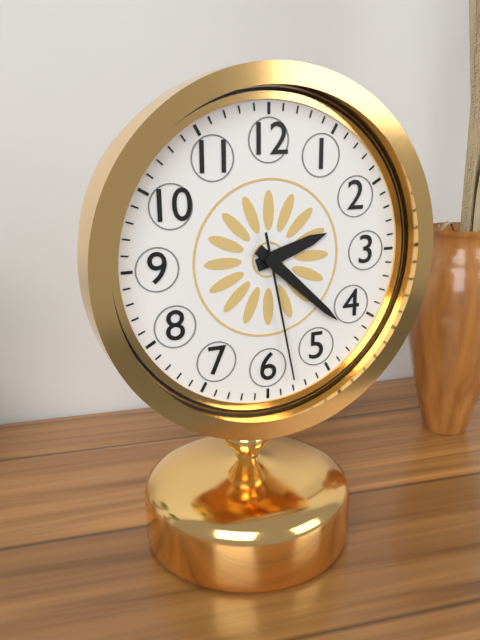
2:22:28
